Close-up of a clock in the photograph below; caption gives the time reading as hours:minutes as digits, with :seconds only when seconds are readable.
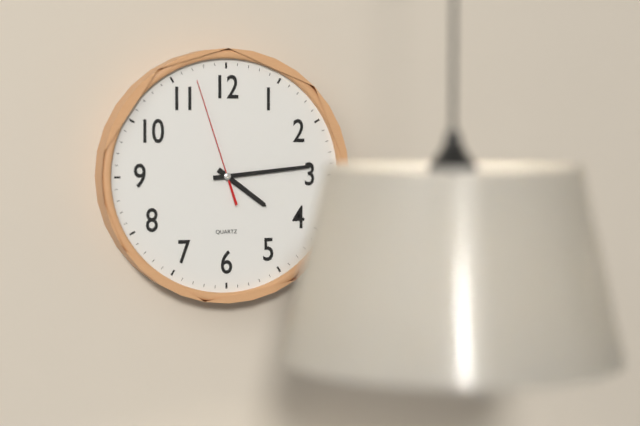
4:14:57
